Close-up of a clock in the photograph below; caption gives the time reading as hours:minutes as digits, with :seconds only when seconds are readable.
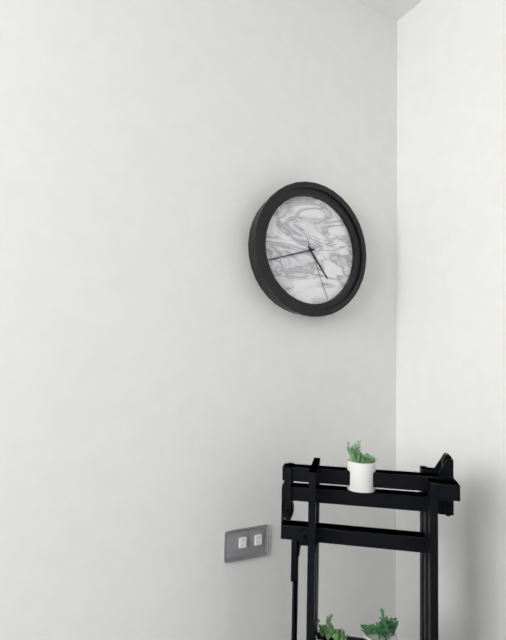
4:42:26
